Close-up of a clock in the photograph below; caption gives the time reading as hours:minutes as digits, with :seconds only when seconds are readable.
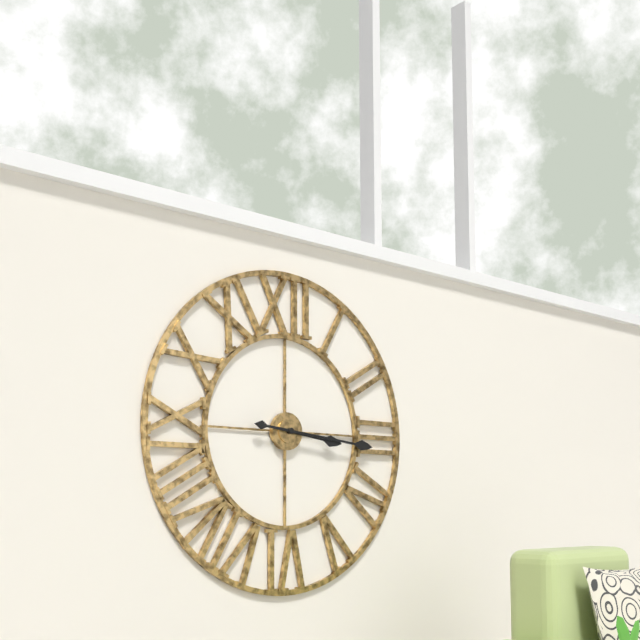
3:16
